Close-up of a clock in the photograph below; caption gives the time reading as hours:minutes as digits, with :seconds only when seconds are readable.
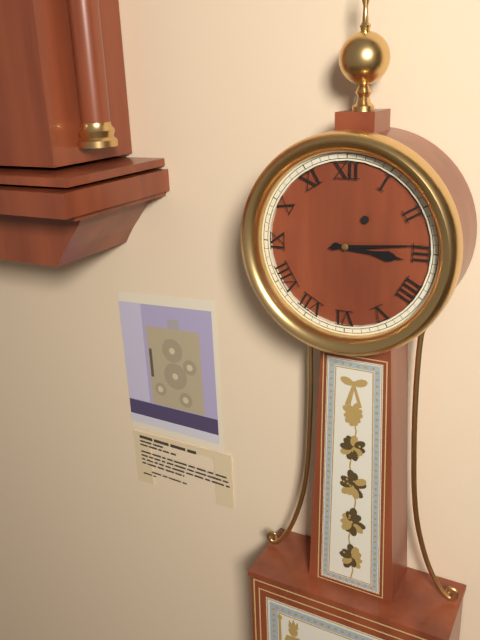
3:14
